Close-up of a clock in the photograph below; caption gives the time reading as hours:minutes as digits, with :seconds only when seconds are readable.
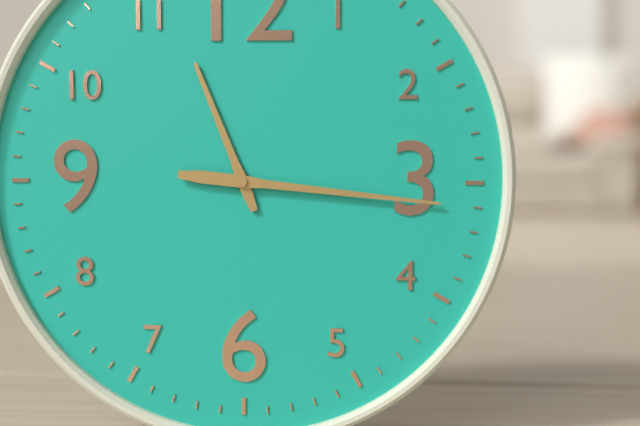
11:16
